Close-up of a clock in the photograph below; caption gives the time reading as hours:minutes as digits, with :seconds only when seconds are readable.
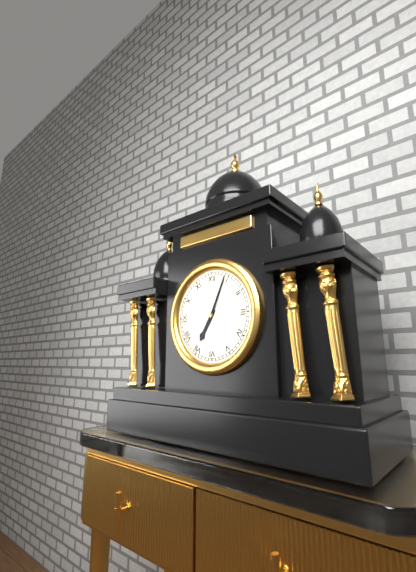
7:04
